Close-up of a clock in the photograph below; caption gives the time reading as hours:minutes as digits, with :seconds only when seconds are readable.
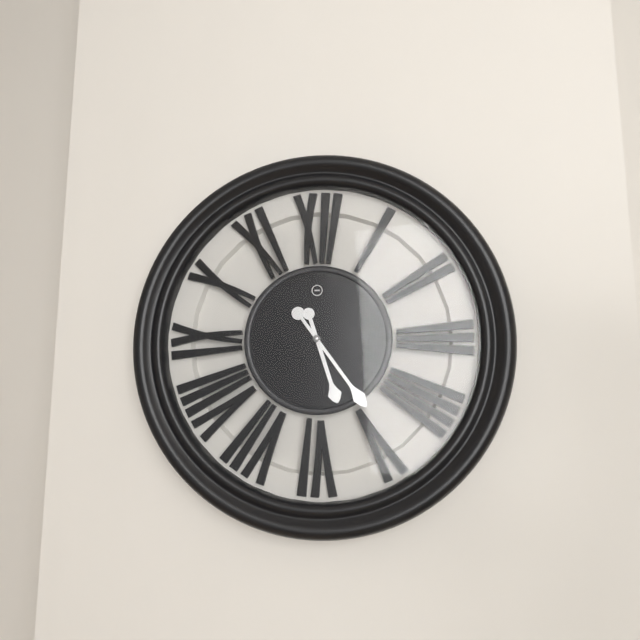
5:24
